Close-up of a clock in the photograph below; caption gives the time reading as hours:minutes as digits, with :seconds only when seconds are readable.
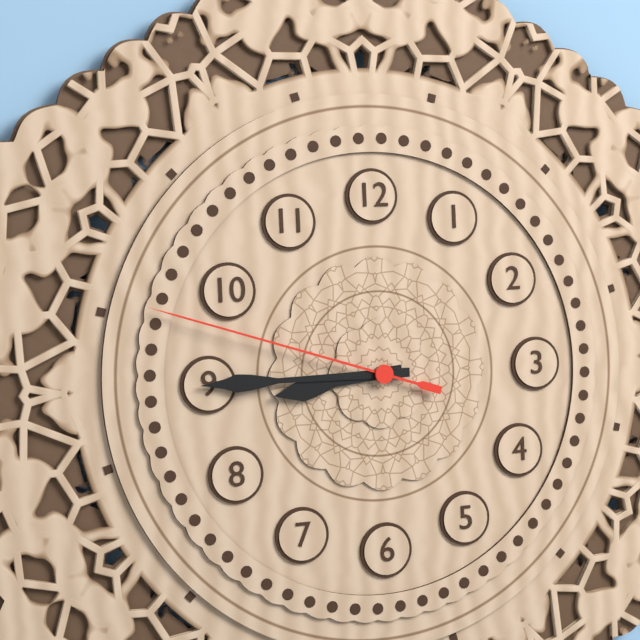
8:45:48
